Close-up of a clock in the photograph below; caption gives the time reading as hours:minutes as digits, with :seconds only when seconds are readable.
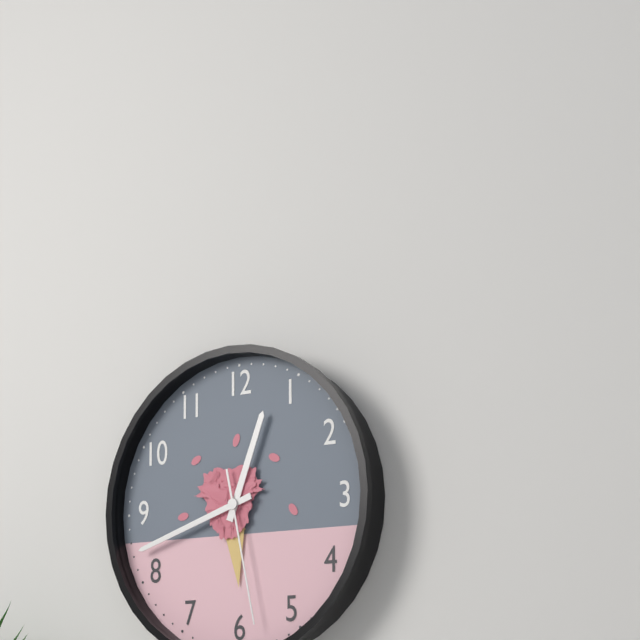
12:42:28
